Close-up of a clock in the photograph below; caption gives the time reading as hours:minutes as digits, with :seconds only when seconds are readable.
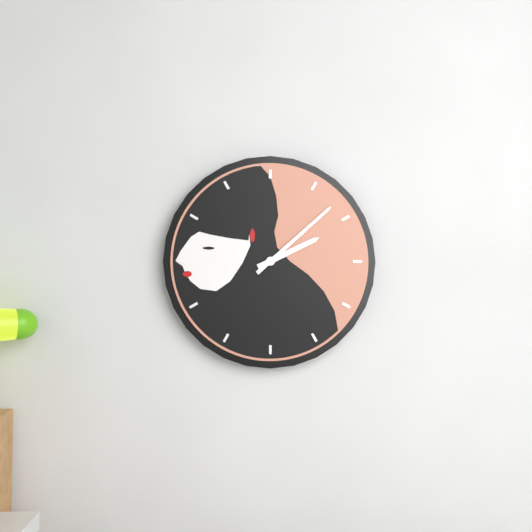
2:08
